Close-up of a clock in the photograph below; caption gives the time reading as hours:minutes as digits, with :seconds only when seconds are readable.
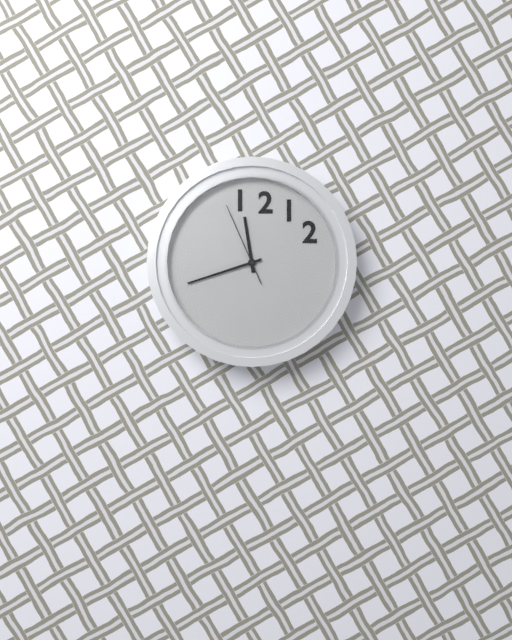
11:42:56
